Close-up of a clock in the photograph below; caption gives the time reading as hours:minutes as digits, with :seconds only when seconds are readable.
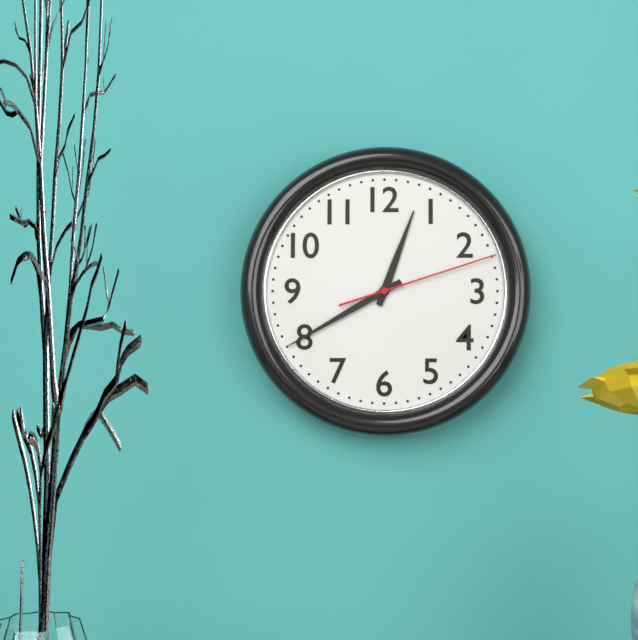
12:40:12
